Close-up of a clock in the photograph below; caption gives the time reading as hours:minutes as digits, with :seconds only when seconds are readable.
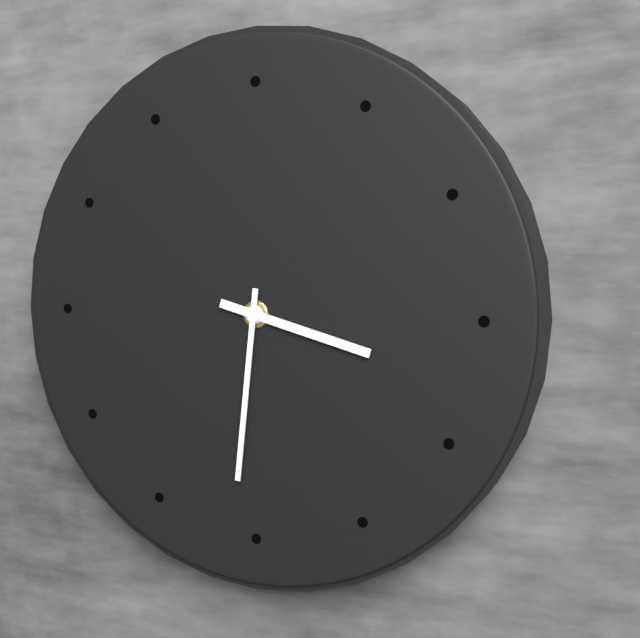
3:31
